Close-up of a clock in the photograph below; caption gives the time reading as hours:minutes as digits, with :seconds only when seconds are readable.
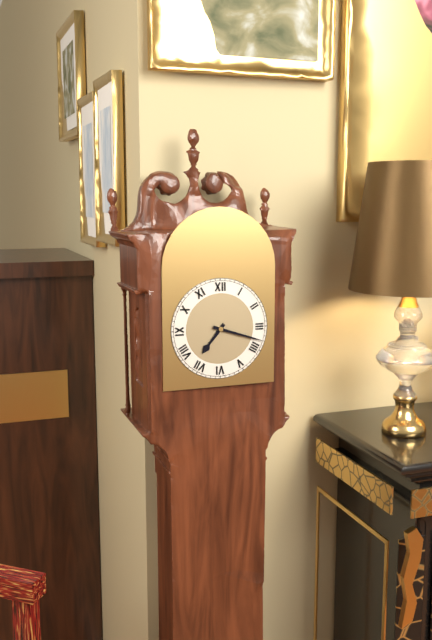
7:18
